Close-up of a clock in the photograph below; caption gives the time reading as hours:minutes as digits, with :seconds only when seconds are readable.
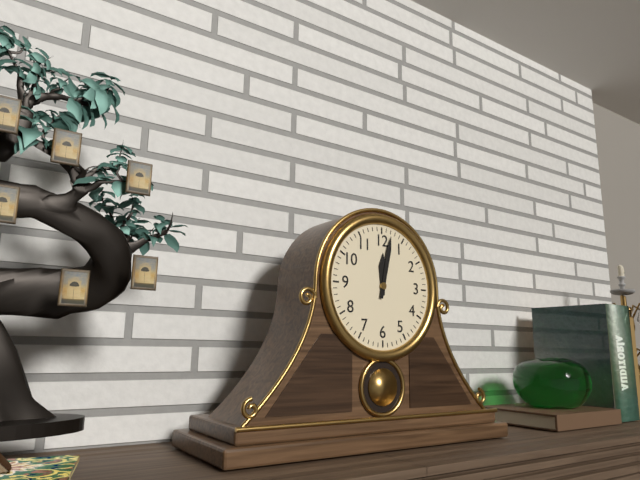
12:02
